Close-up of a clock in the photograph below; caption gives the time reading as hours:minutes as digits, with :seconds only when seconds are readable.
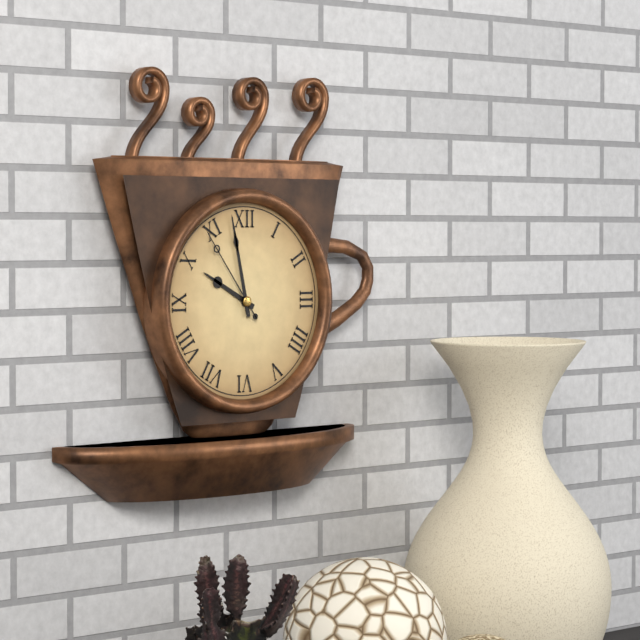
9:58:54
